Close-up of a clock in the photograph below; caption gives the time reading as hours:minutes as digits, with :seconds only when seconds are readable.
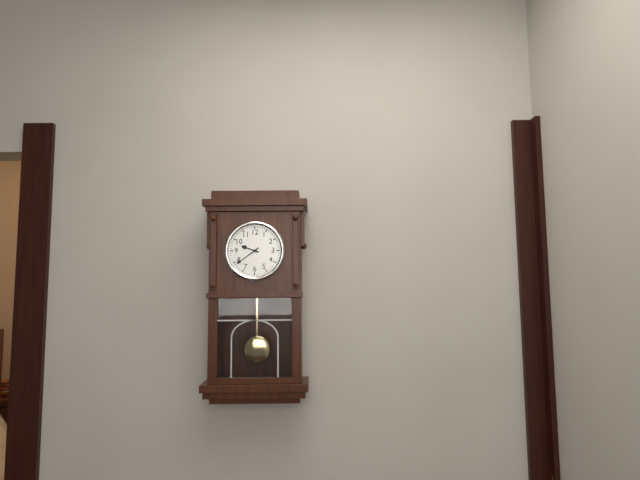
9:39
